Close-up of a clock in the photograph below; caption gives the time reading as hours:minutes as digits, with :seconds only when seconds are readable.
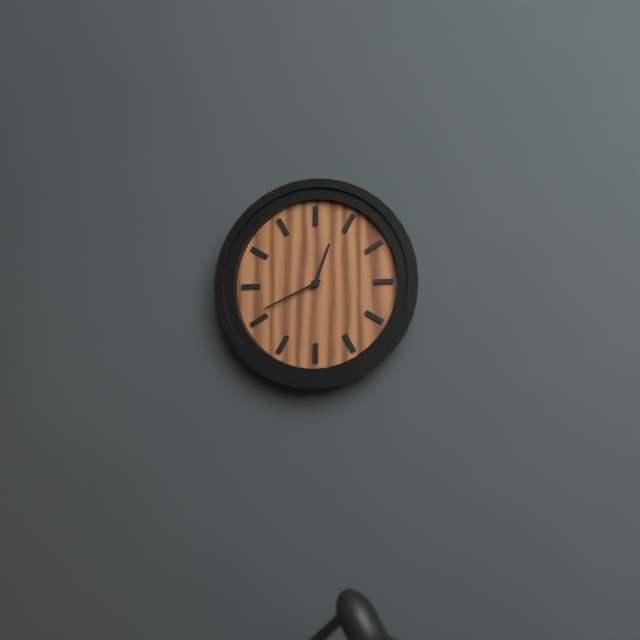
12:41
